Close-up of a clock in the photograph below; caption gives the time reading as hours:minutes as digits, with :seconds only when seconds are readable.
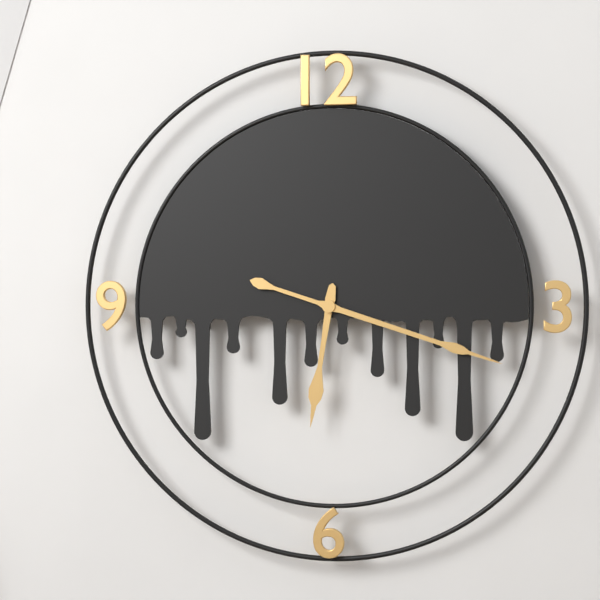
6:18
